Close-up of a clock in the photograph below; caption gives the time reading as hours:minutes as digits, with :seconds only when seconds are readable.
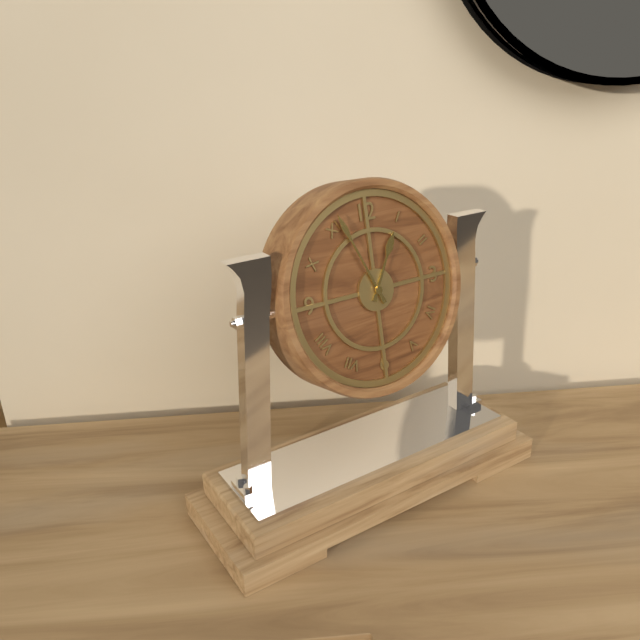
12:56
